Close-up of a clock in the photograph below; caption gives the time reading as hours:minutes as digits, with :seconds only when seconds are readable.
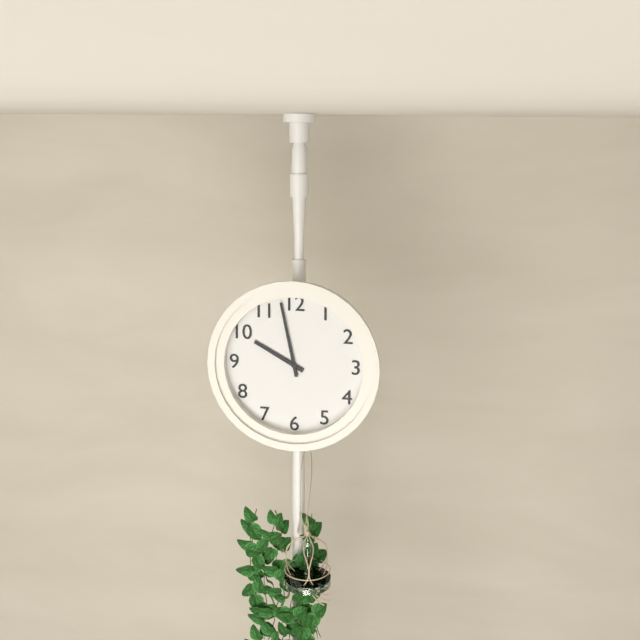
9:58
